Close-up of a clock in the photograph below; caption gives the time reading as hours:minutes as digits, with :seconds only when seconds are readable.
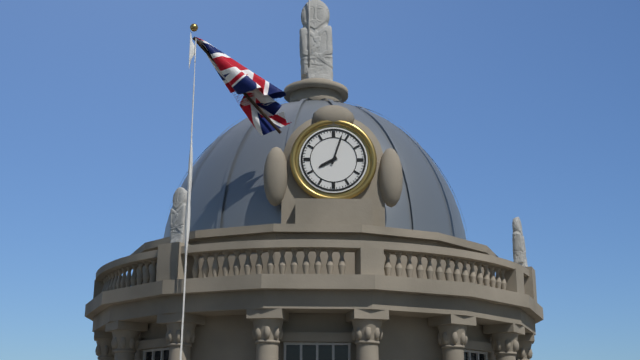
8:03
